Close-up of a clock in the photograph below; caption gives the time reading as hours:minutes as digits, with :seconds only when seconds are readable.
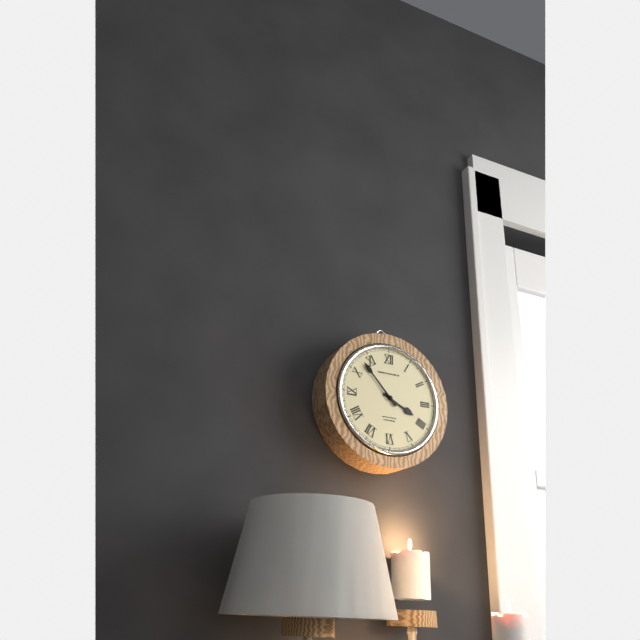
3:53
